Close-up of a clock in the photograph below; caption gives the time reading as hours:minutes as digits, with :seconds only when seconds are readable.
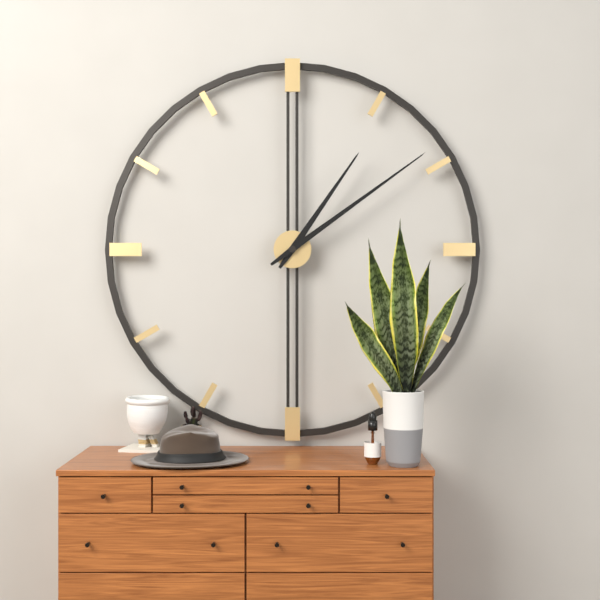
1:09
